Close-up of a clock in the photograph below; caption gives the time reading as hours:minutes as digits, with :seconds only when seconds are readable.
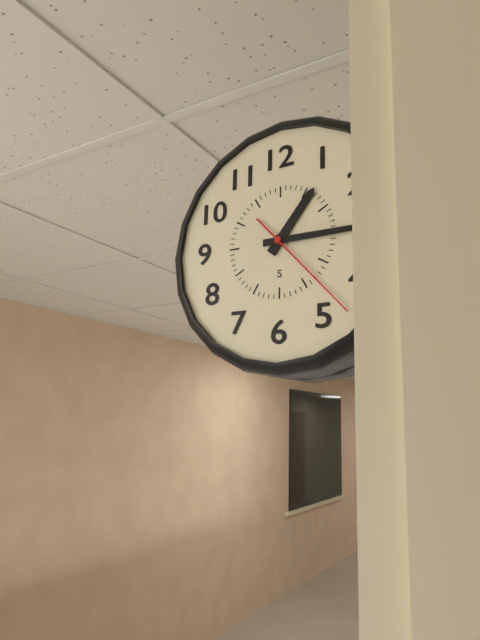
1:15:23
